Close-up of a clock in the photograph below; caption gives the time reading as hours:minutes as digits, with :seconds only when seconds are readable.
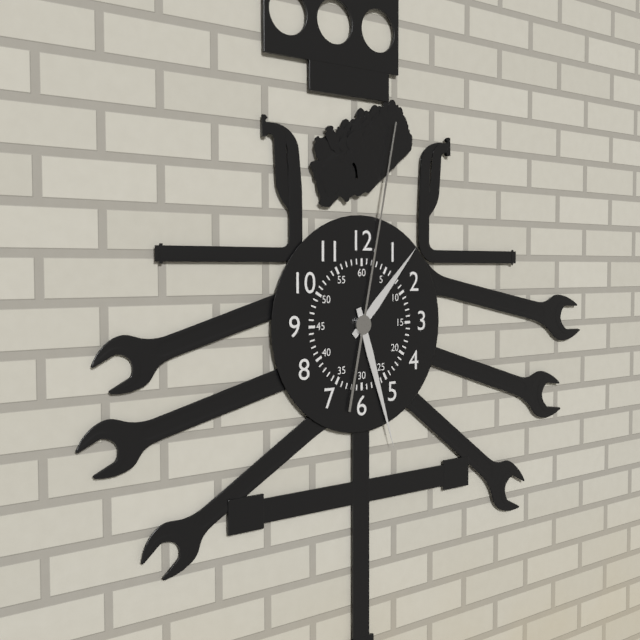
1:27:02
